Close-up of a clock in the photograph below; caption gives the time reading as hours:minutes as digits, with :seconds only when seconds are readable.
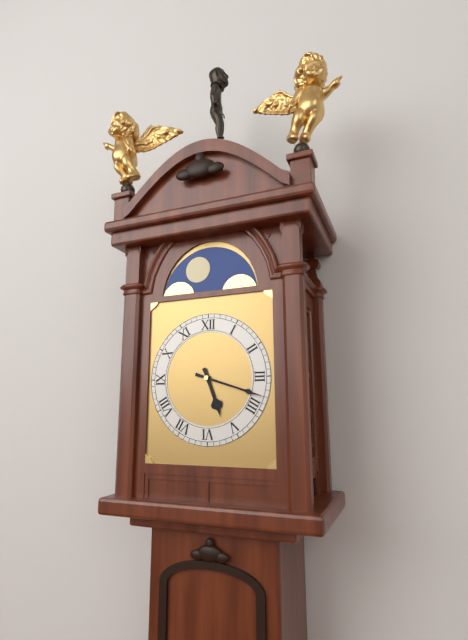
5:18
